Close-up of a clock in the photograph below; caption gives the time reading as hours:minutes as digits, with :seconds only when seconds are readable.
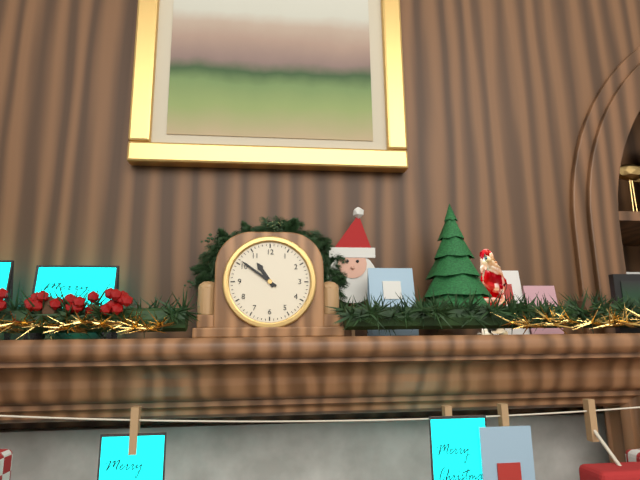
10:51
